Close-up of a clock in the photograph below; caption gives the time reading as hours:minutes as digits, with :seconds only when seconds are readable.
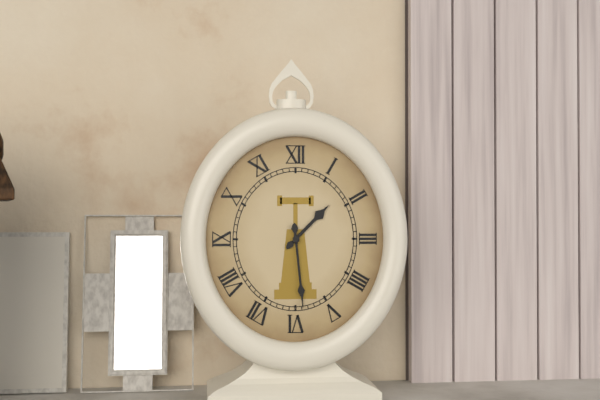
1:29
